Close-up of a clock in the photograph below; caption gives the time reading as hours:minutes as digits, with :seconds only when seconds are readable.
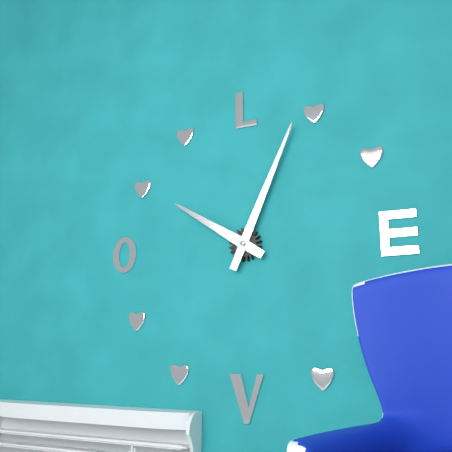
10:04
